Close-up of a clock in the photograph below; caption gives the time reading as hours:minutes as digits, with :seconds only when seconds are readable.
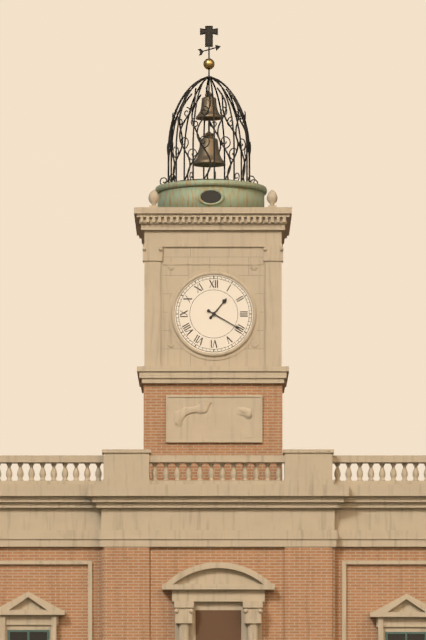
1:20
